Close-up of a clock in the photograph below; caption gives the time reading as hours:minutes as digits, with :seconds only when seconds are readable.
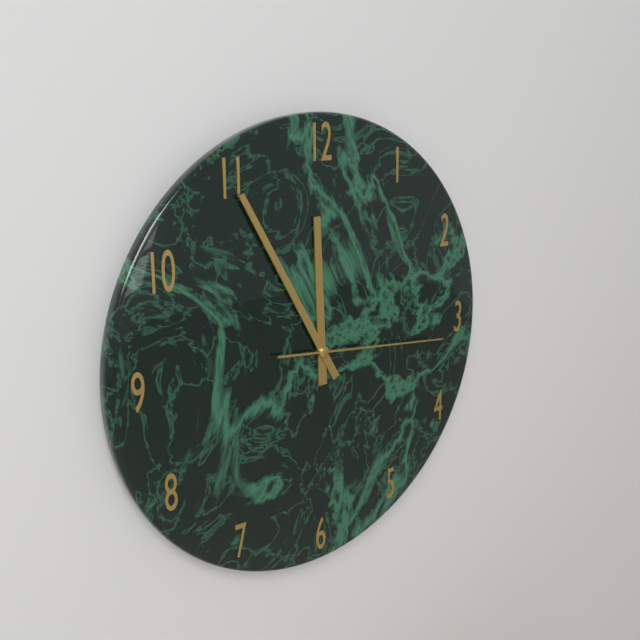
11:55:16
